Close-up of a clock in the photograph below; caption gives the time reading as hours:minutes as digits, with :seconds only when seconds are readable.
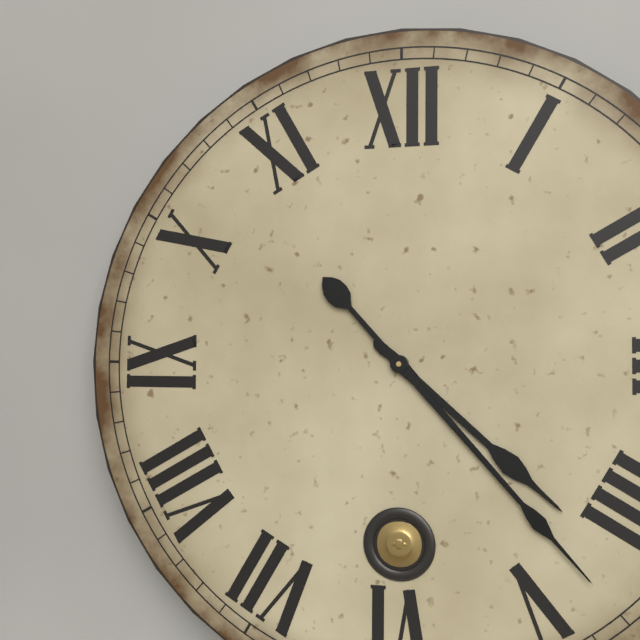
4:23
